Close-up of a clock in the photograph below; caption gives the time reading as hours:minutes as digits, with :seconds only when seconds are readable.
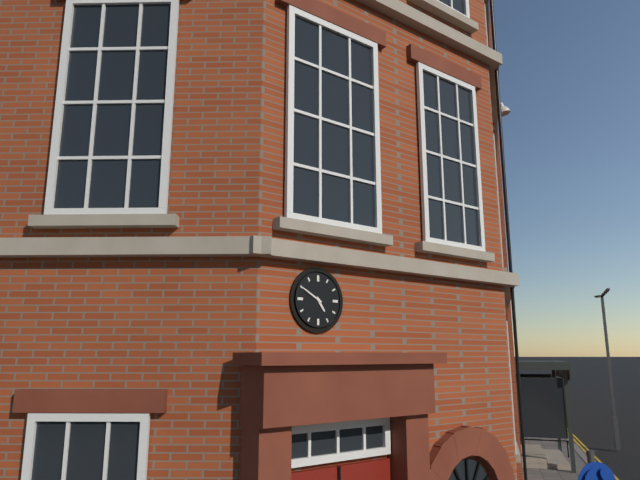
4:50
